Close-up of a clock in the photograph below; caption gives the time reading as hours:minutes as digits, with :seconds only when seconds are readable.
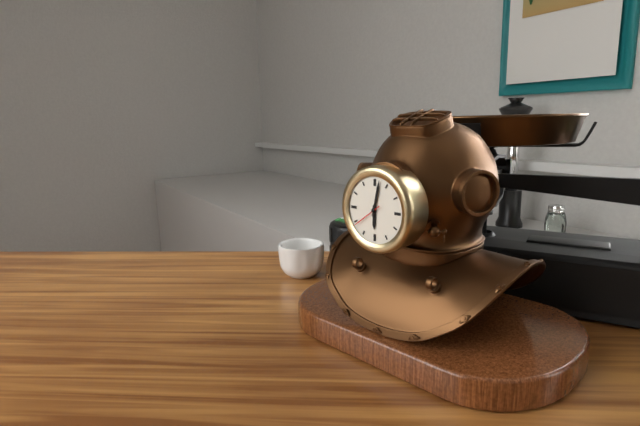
6:02
